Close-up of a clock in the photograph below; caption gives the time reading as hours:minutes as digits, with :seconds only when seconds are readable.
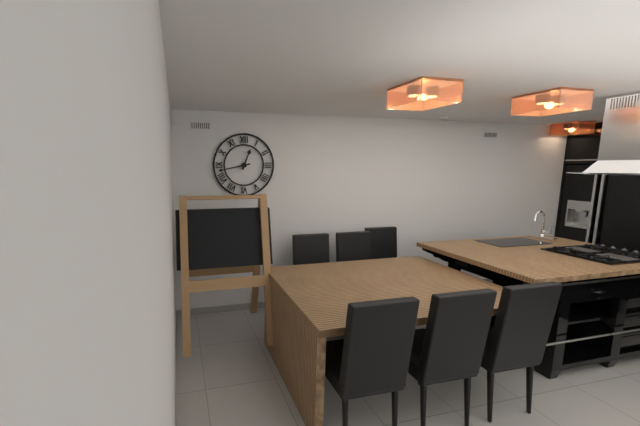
12:43
